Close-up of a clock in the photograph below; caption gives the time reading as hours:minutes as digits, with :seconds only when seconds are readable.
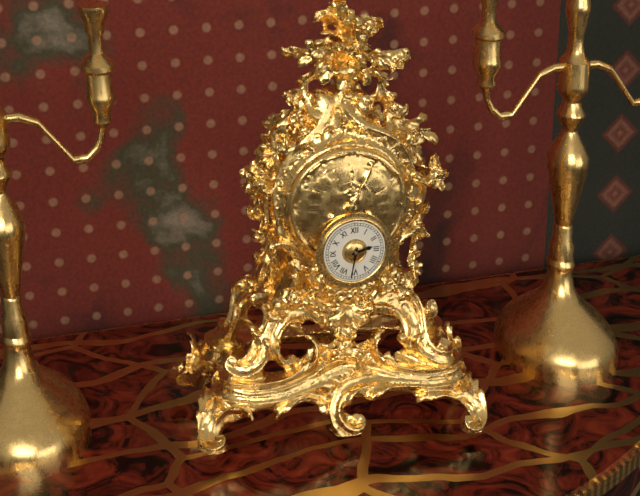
2:32
